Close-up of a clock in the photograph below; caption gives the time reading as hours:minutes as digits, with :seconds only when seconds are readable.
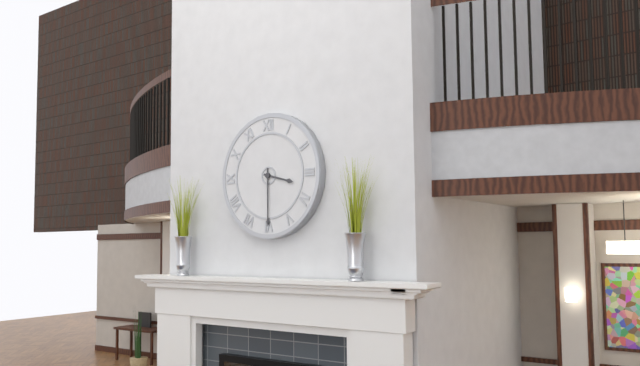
3:30
